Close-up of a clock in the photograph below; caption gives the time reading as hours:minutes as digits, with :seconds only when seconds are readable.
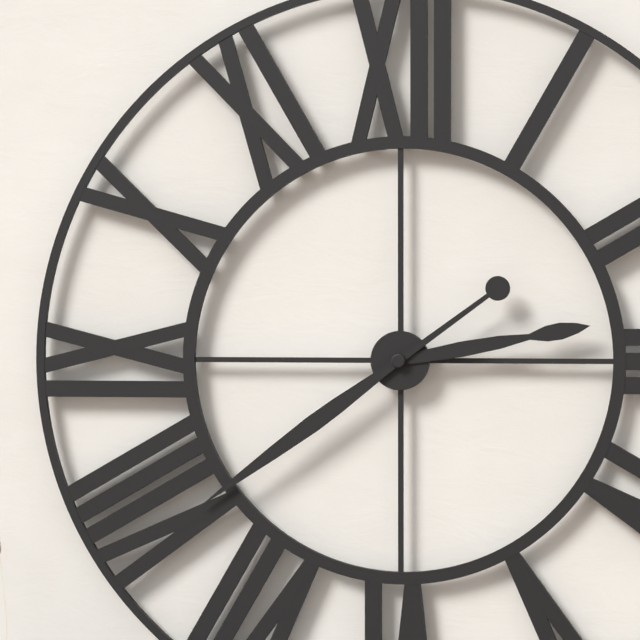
2:39
